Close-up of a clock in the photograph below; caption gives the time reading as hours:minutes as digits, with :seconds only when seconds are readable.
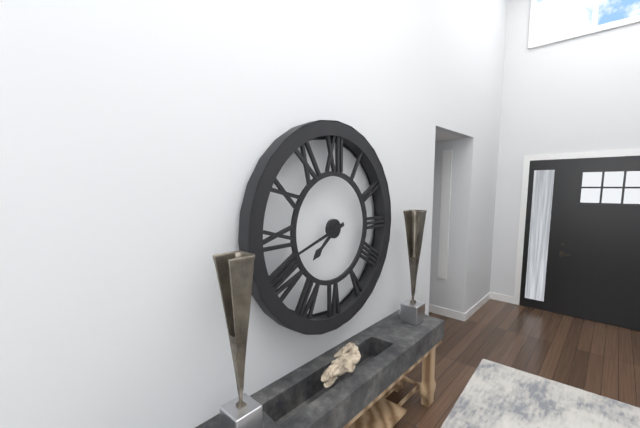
7:42
